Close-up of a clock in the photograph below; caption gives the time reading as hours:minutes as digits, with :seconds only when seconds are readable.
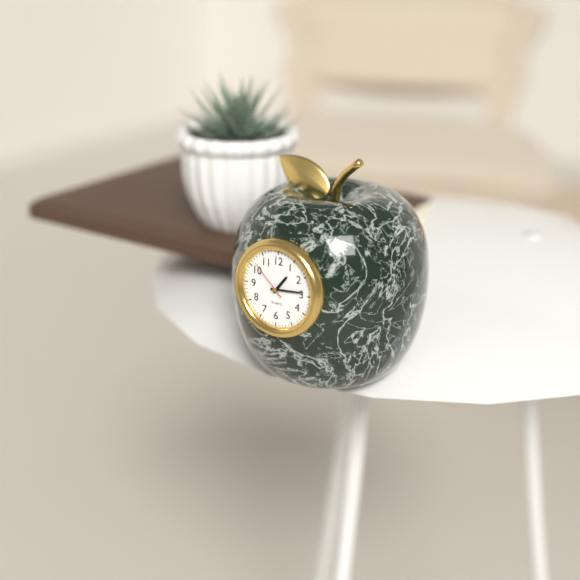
1:14
